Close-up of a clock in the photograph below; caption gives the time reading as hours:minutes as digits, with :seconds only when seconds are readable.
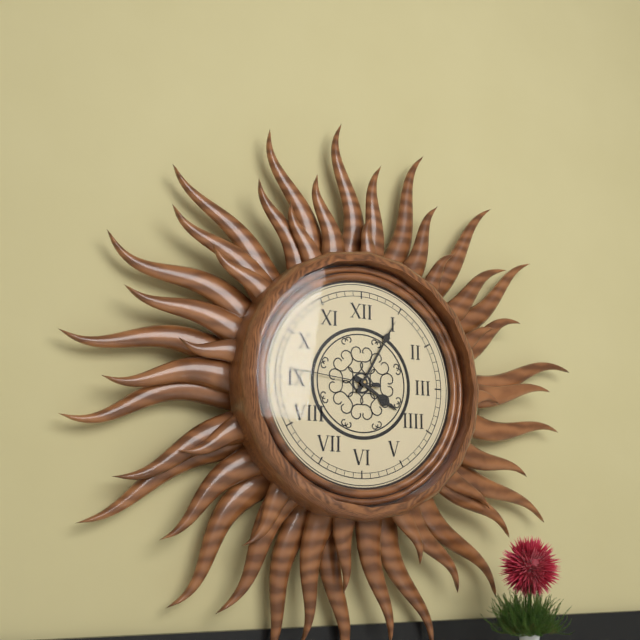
4:05:46
